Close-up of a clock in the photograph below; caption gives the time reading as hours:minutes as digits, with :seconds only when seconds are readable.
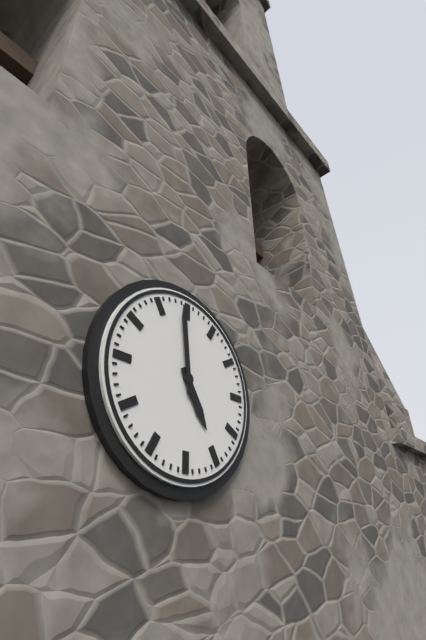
4:59
